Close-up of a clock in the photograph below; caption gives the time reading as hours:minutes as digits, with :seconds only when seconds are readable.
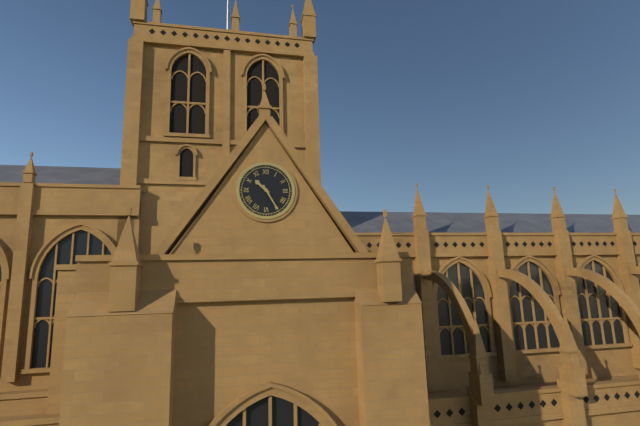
10:25
